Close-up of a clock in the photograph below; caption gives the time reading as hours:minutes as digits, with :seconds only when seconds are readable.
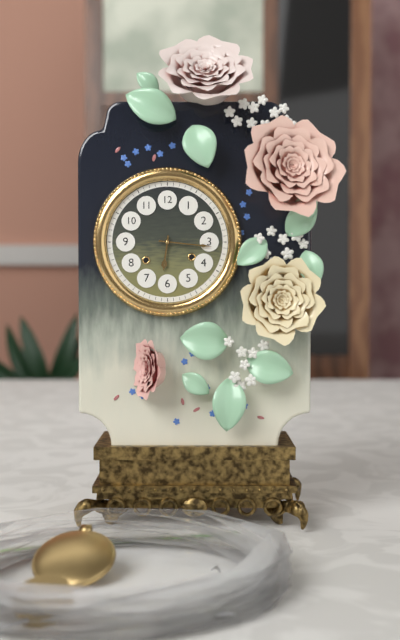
6:16
